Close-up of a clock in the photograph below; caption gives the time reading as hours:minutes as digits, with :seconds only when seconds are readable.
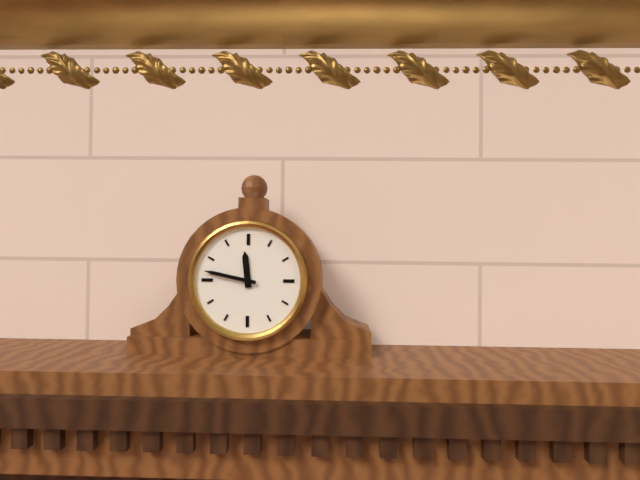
11:47
